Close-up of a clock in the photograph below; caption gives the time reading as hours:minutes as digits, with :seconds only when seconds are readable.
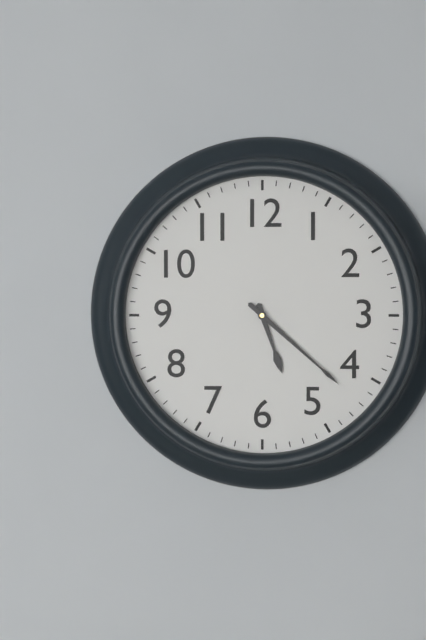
5:22
